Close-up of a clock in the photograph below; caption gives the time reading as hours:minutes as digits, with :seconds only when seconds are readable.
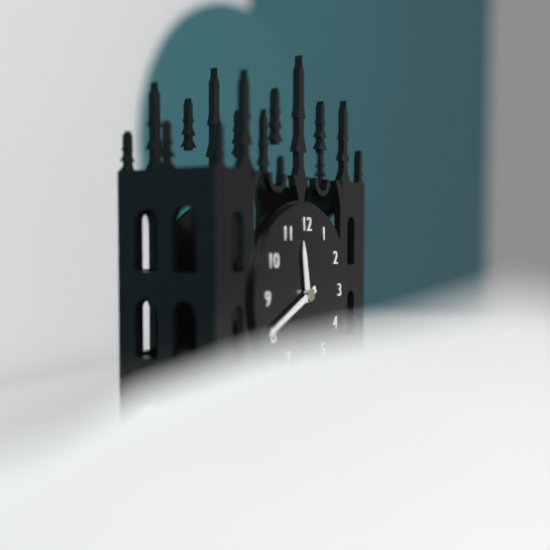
11:41
